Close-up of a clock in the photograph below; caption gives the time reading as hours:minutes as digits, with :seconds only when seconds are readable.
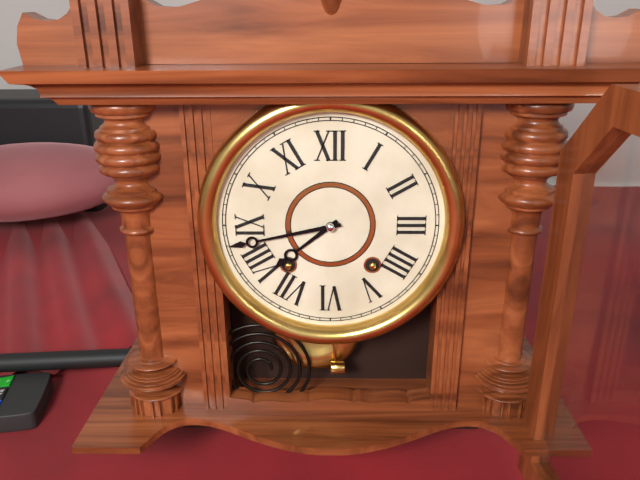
7:43
